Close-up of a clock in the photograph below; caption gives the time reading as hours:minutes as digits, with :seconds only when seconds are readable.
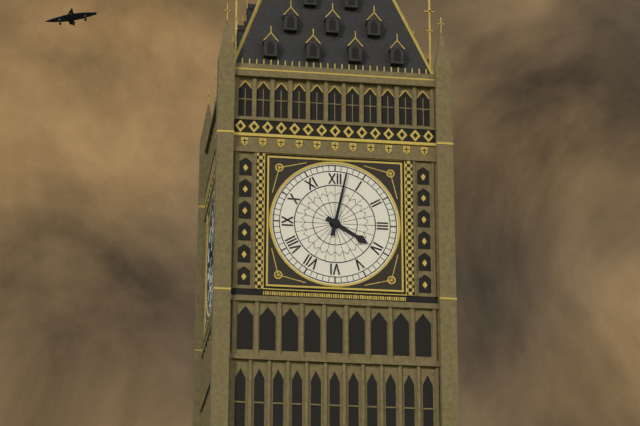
4:02
